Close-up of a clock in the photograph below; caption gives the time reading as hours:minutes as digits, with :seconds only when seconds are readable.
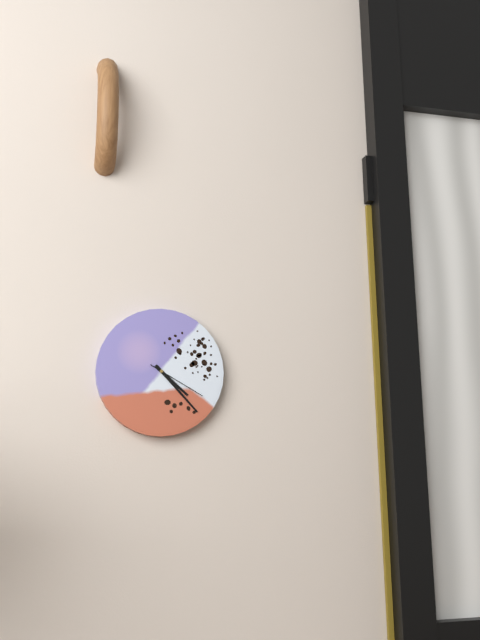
4:23:20
